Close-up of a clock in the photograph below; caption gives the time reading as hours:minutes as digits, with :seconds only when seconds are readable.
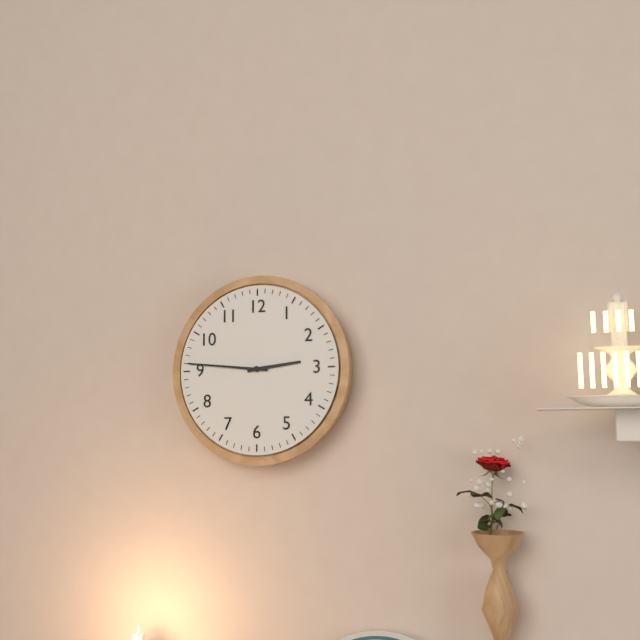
2:46
